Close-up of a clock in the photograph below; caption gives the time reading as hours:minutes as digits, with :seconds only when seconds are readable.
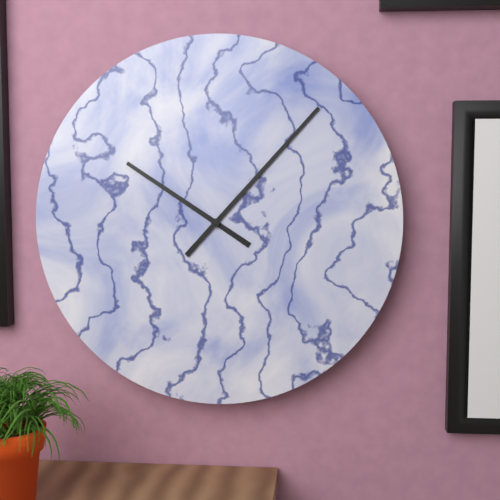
10:07
